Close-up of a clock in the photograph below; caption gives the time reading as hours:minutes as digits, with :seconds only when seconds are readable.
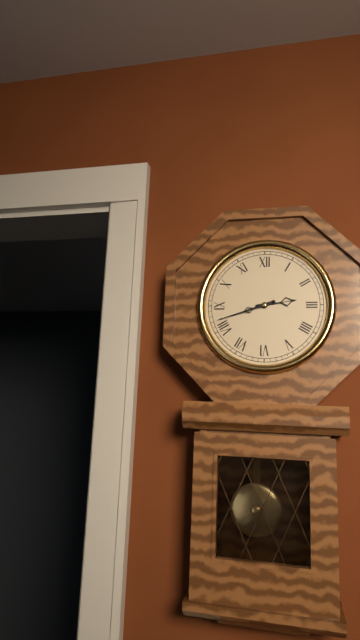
2:42
